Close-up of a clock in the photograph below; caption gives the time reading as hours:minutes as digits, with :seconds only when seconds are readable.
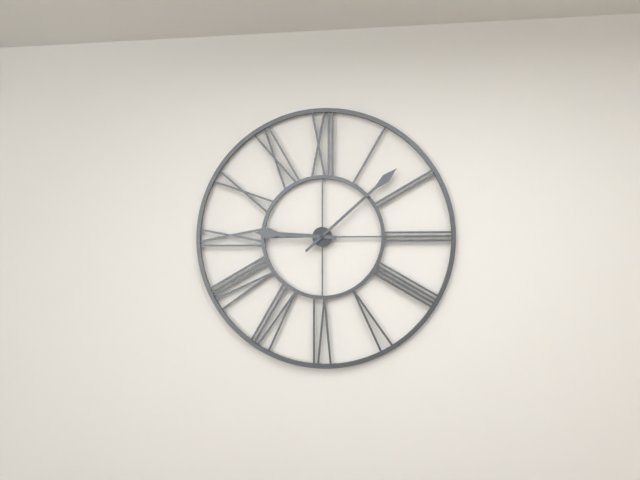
9:08
